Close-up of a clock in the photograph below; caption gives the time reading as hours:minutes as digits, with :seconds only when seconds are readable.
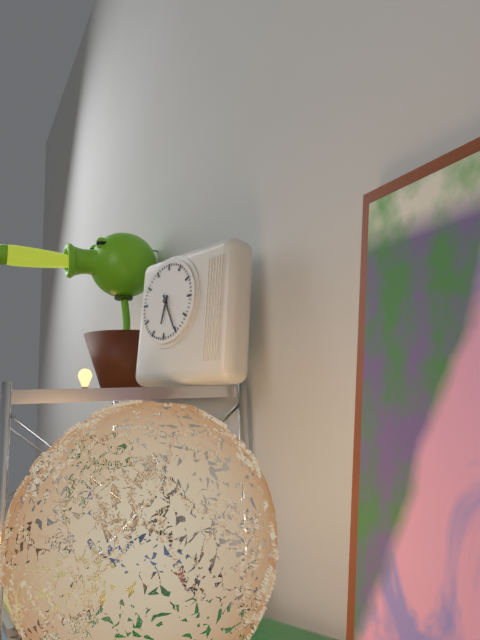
6:25
